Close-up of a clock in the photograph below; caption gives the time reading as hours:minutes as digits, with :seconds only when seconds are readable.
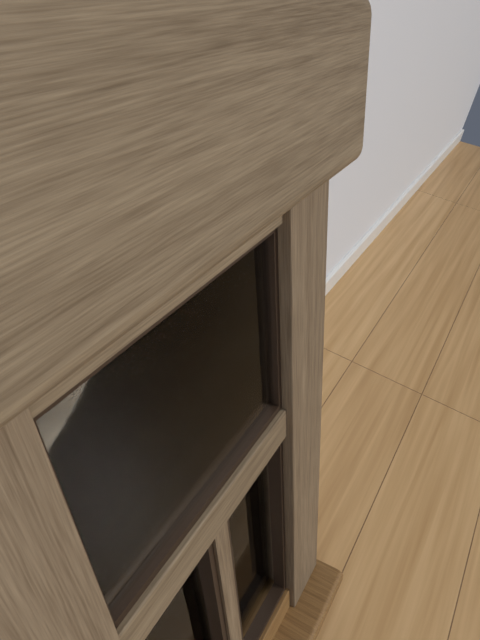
10:57
